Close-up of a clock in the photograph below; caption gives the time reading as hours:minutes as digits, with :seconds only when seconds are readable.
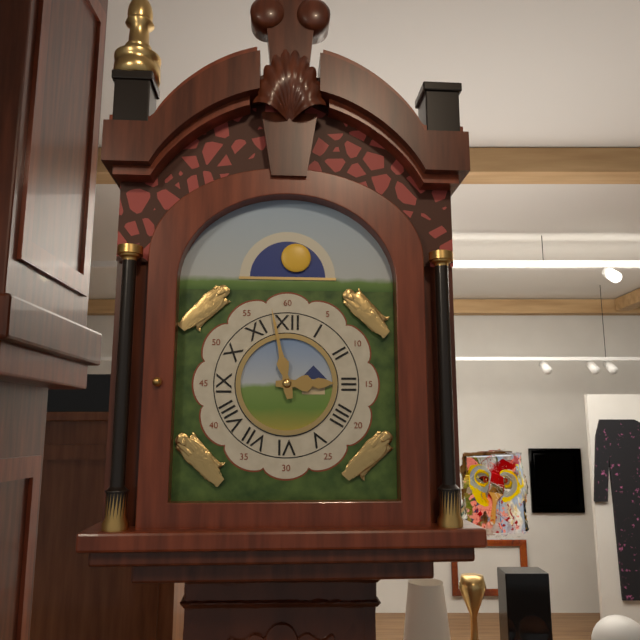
2:58
